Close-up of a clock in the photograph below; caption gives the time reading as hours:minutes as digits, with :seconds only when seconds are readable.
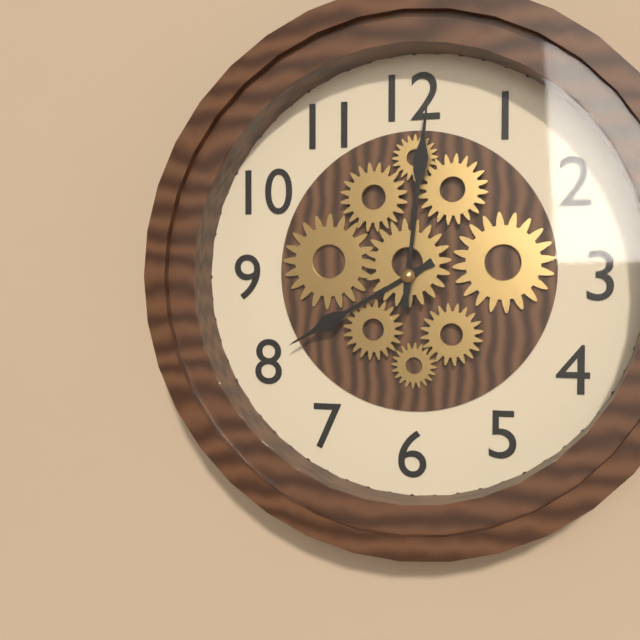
8:01
